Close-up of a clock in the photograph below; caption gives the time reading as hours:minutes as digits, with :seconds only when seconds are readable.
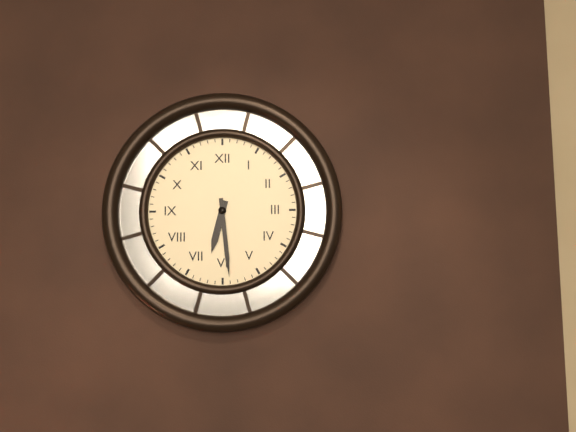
6:29
